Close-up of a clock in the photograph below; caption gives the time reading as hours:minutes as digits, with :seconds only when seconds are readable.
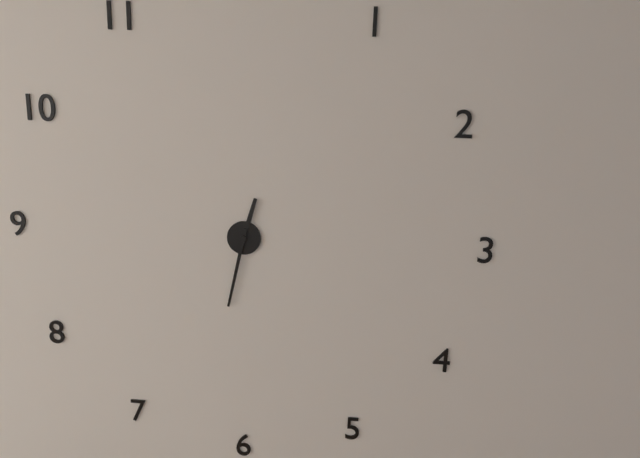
12:32
